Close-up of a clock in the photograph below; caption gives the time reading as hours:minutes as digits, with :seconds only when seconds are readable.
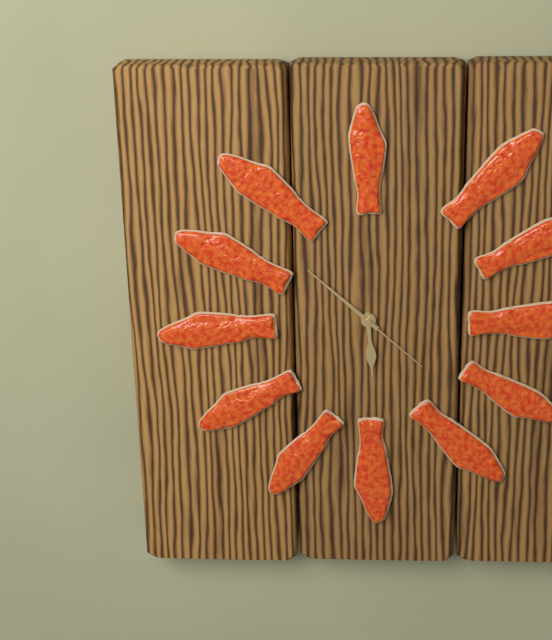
5:52:22
